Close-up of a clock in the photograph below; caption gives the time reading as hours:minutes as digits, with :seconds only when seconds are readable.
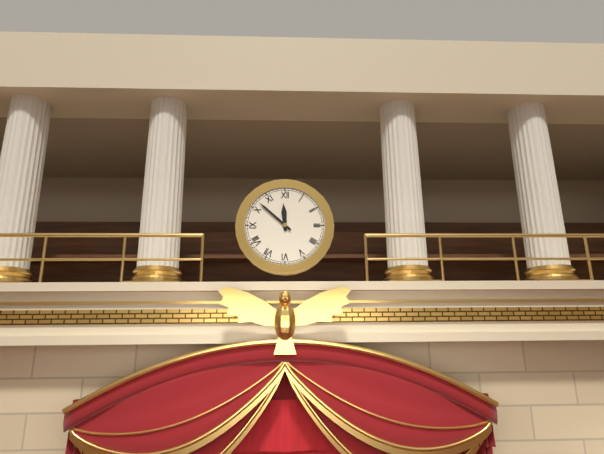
11:52
